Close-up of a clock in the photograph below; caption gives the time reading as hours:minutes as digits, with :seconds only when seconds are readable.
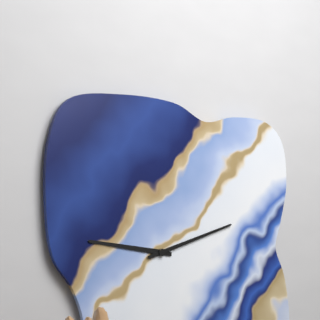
9:12
